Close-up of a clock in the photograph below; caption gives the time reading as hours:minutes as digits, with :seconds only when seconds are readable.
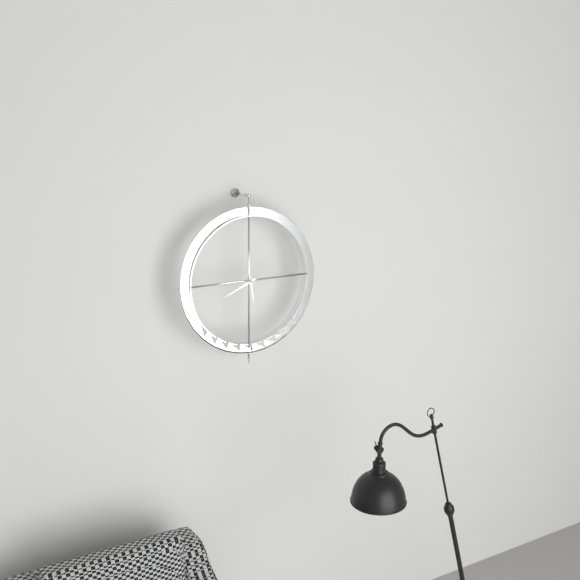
5:41
